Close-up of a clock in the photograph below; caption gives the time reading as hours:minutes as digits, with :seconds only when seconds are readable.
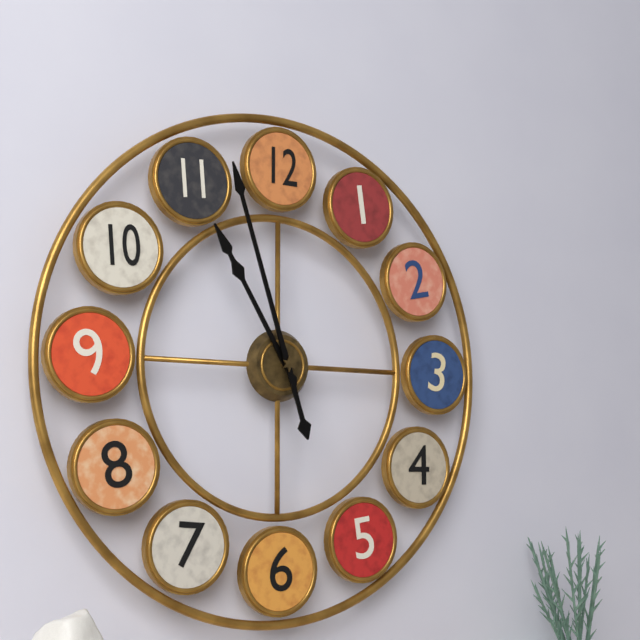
10:57
